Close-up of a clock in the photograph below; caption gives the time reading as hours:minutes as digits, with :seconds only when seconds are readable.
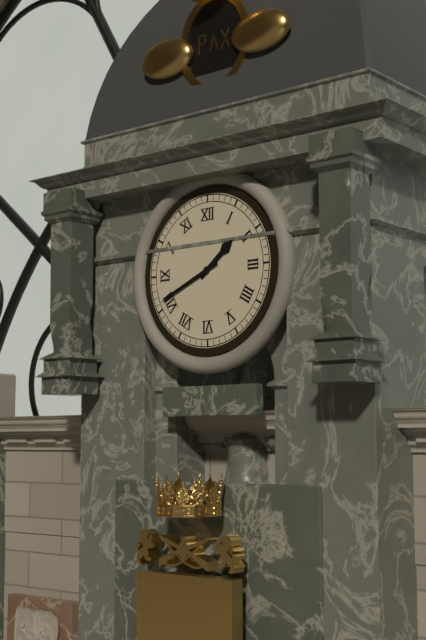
1:41
